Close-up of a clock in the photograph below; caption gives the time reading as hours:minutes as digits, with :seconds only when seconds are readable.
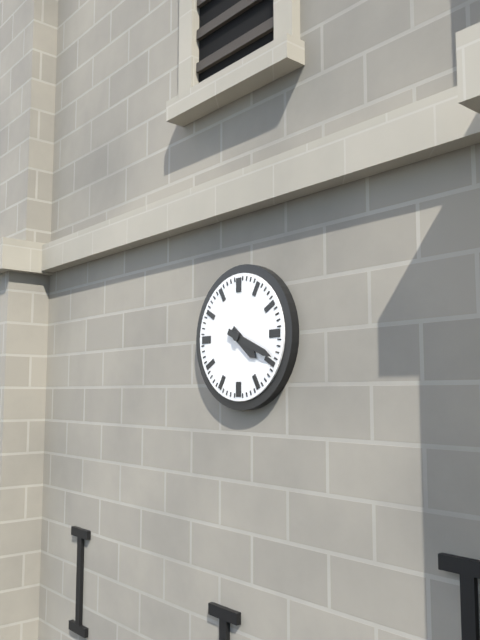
4:19
